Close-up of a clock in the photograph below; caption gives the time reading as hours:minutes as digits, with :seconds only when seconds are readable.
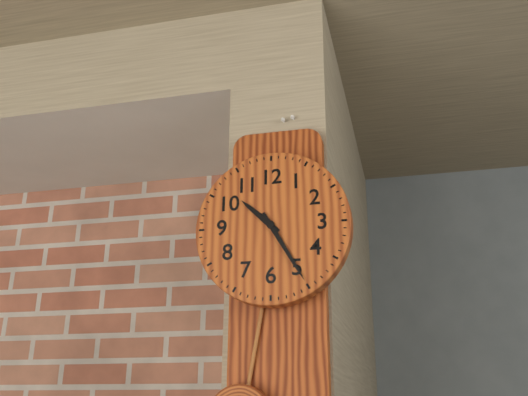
10:25
